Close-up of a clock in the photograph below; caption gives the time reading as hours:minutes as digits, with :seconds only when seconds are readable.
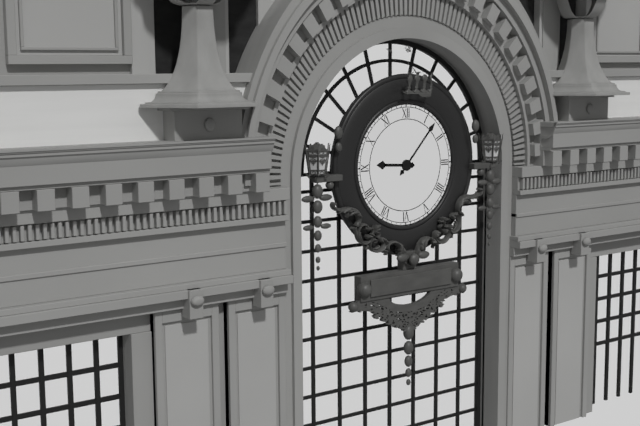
9:07
